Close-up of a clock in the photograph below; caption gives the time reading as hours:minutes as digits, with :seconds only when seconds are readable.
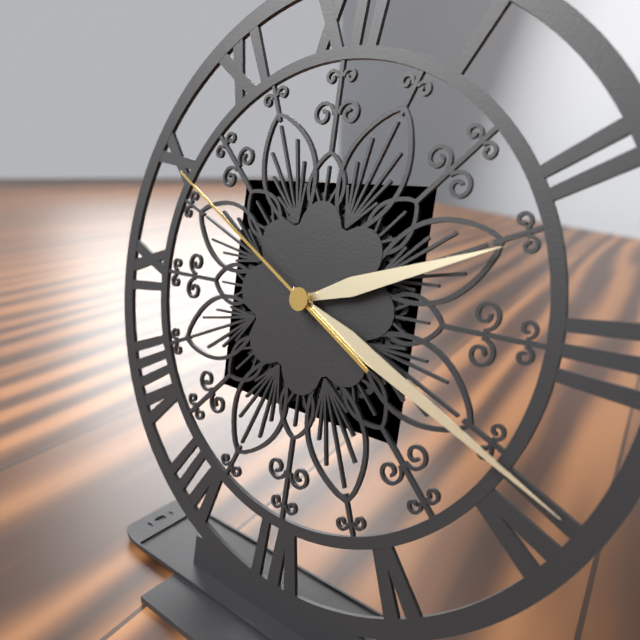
2:19:50
